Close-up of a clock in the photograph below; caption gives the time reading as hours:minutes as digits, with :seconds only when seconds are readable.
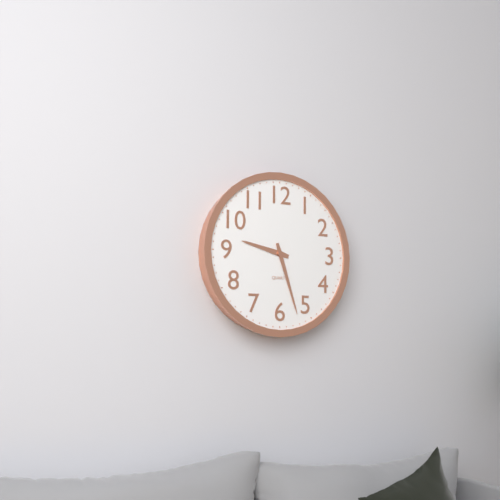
9:27
